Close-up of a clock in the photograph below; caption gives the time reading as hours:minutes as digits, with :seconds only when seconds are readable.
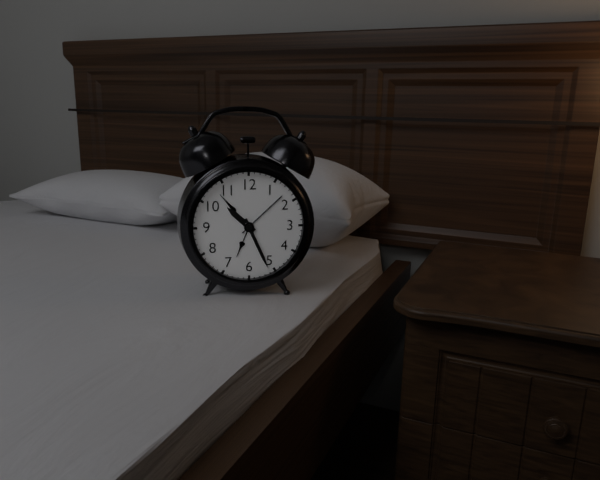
10:26
